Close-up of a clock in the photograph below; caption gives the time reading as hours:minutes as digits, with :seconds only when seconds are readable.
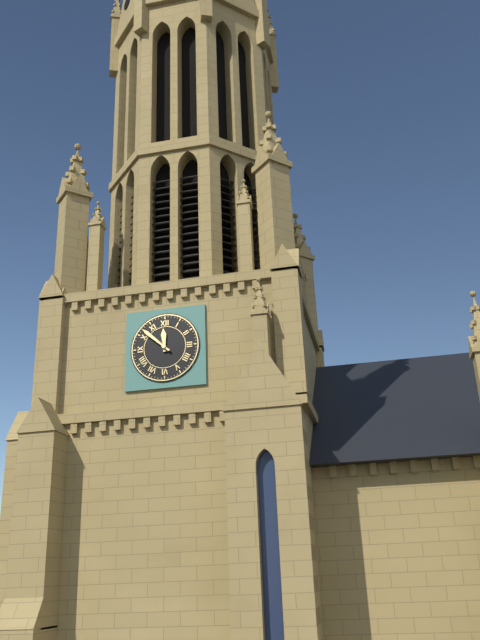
11:52
